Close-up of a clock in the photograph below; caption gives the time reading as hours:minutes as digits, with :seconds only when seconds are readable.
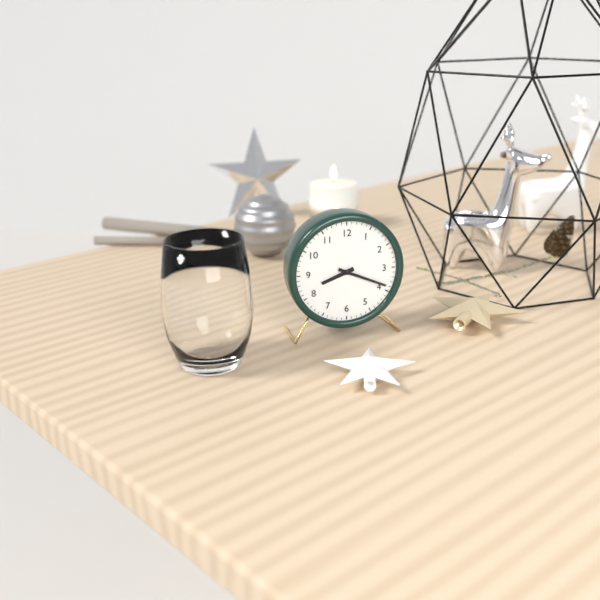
8:19
